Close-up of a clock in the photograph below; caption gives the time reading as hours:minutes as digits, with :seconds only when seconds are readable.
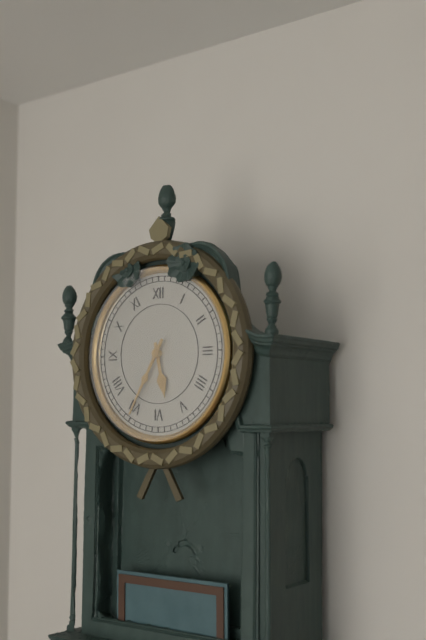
5:35
